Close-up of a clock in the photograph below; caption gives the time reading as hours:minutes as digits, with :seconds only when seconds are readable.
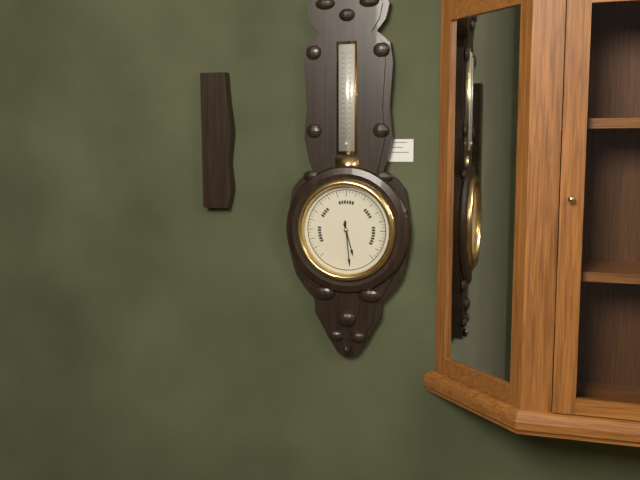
5:29
